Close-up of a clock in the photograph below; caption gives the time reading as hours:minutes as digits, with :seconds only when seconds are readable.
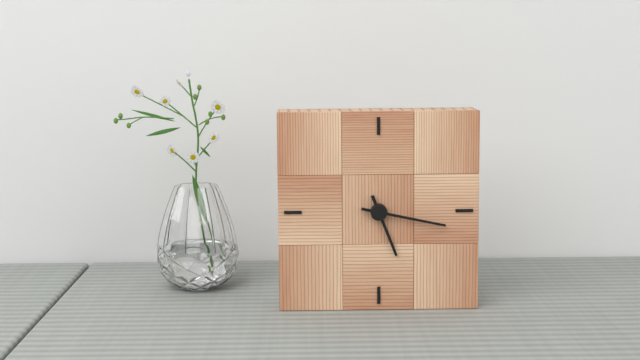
5:17
